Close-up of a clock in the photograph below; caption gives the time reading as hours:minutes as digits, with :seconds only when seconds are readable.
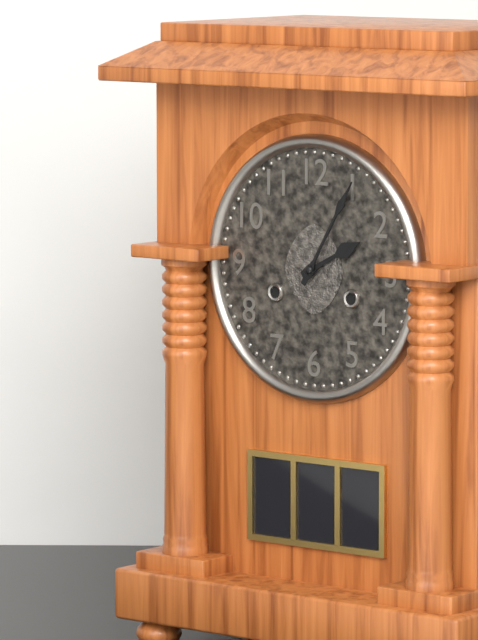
2:05
